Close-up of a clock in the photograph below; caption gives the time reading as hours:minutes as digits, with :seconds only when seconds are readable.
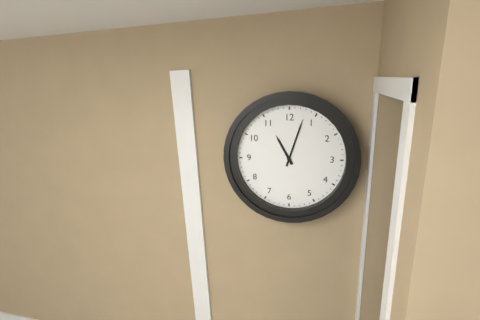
11:03
